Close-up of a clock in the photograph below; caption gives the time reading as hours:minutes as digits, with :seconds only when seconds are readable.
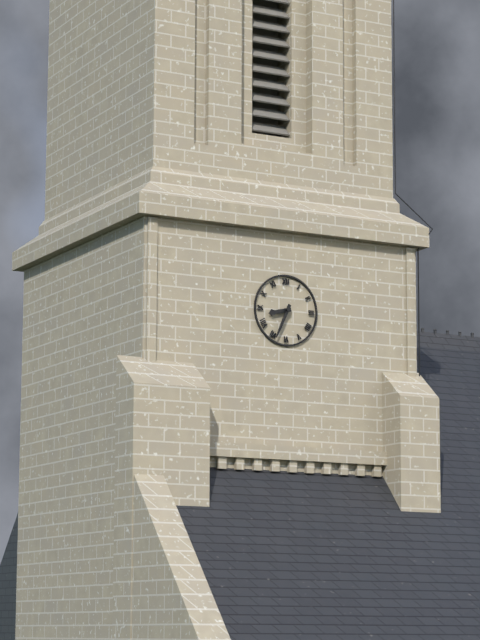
8:34
